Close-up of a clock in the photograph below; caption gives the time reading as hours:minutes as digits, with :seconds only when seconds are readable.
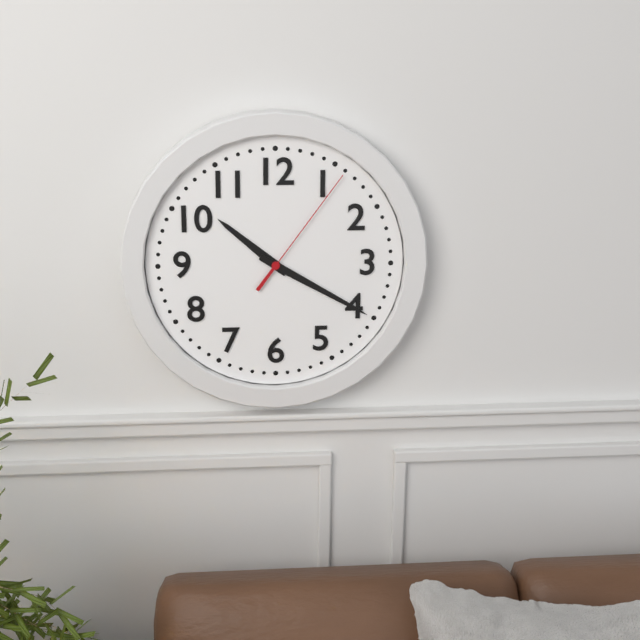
10:20:06
